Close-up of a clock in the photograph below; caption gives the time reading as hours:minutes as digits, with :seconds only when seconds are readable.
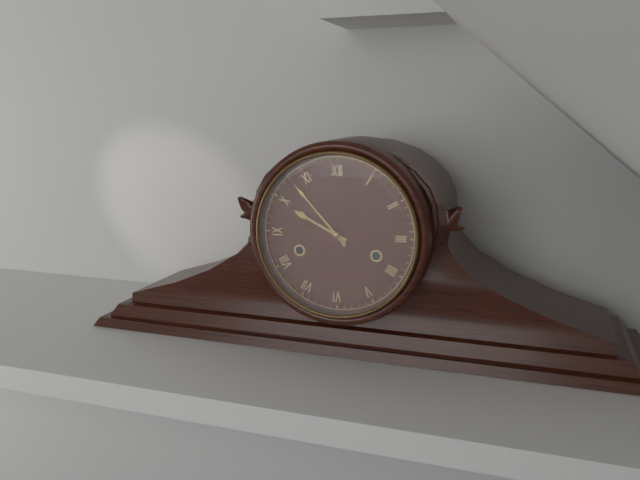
9:53
